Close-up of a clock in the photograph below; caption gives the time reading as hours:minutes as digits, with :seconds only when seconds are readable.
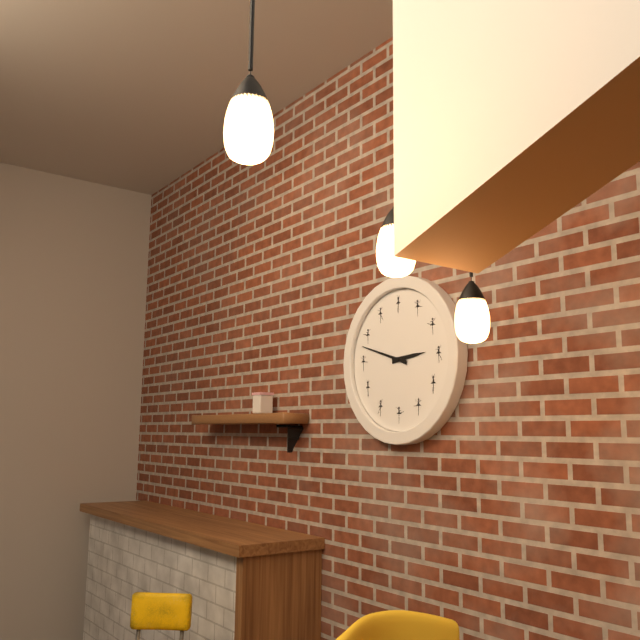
2:48
